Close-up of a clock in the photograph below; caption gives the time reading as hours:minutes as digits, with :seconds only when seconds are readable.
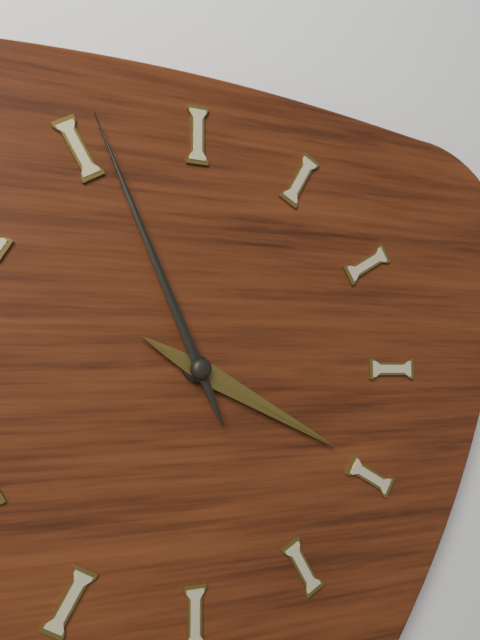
3:56
